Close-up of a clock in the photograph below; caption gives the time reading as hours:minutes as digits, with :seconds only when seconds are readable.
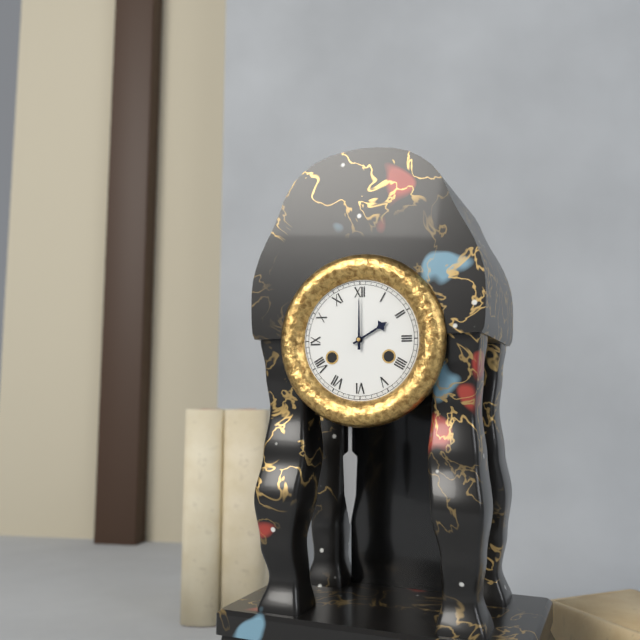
2:00
